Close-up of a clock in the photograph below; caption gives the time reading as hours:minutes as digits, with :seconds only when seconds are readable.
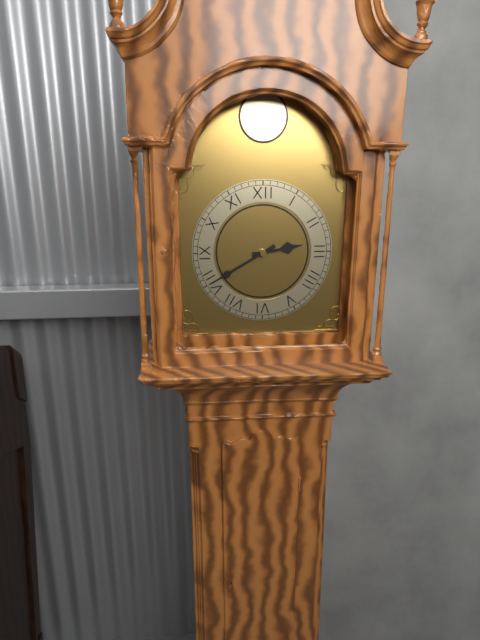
2:40
